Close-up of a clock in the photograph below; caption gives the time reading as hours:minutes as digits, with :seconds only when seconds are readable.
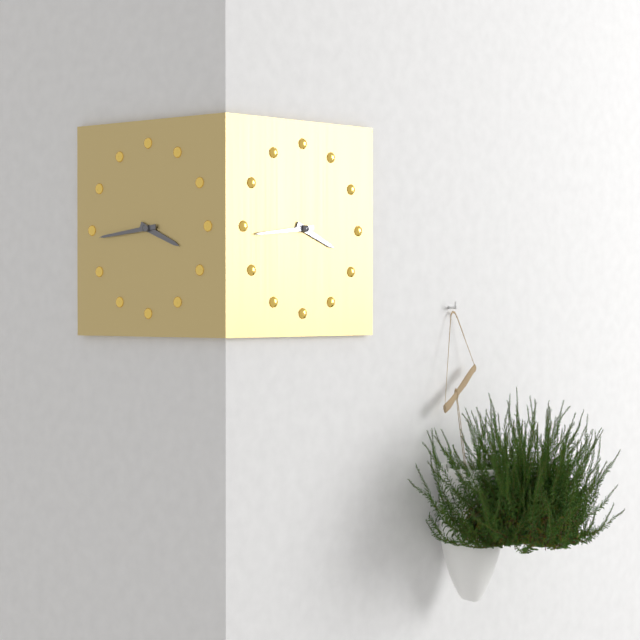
3:44
